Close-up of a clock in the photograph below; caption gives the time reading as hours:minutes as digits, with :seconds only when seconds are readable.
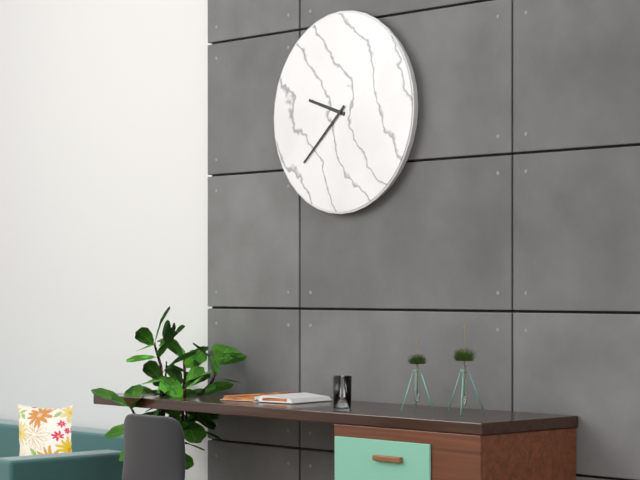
9:38
